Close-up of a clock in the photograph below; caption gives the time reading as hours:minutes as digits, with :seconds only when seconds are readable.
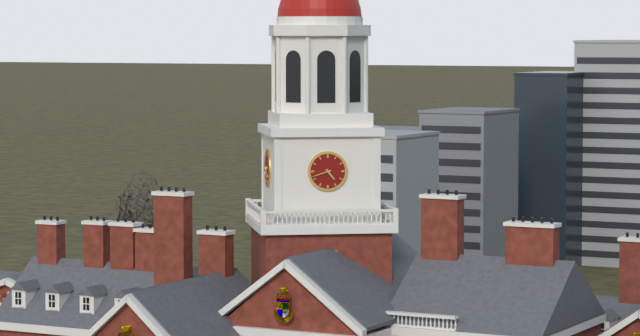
4:42
